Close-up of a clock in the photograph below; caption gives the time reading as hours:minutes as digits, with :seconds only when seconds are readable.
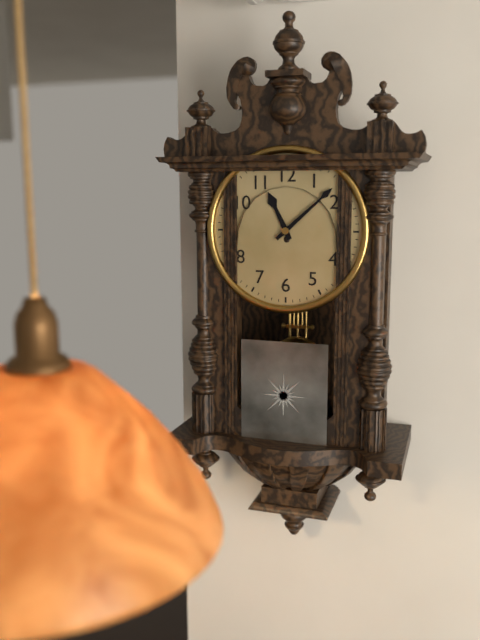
11:08
